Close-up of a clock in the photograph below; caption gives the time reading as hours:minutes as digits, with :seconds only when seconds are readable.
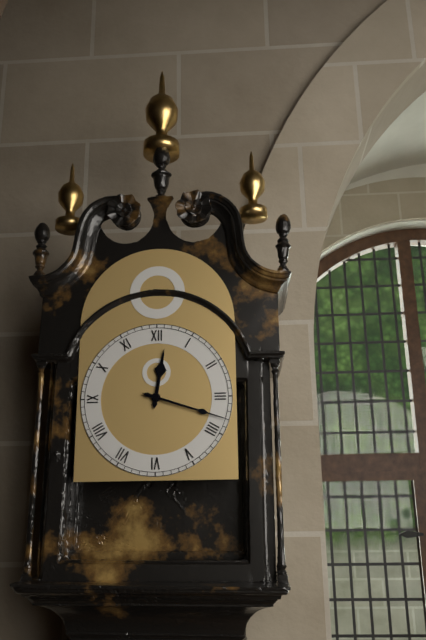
12:18
